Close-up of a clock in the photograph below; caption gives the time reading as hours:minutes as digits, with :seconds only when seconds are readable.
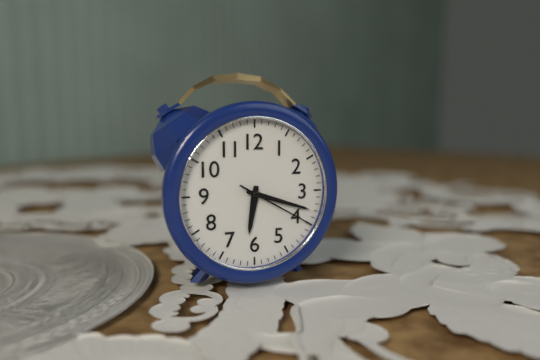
6:18:20
